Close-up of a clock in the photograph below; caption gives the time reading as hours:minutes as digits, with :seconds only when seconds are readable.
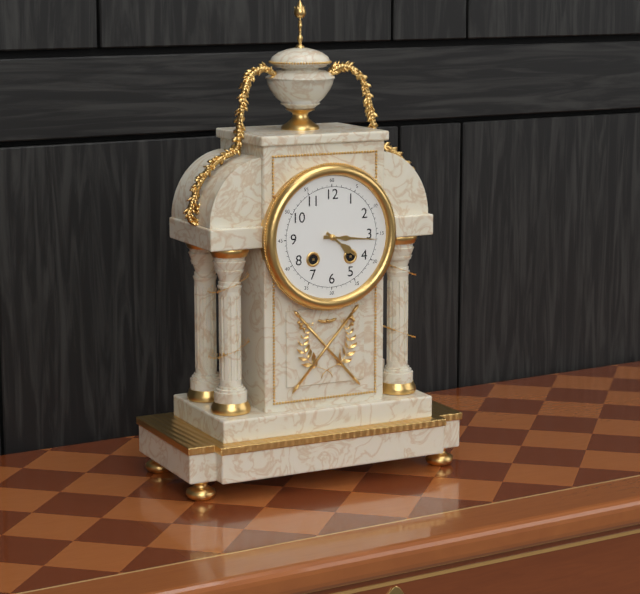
4:16
